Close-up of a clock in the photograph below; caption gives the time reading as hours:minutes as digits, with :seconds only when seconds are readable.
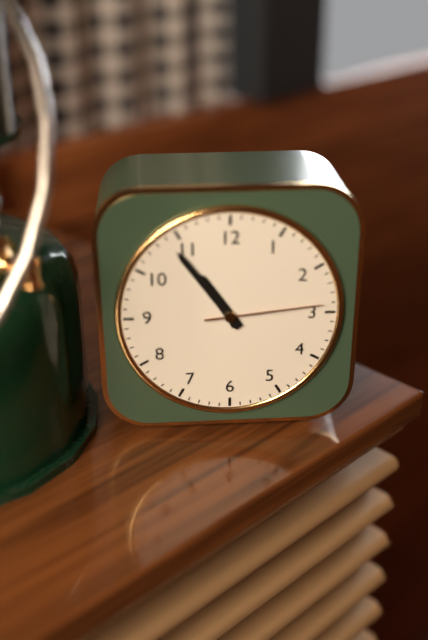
10:54:14
